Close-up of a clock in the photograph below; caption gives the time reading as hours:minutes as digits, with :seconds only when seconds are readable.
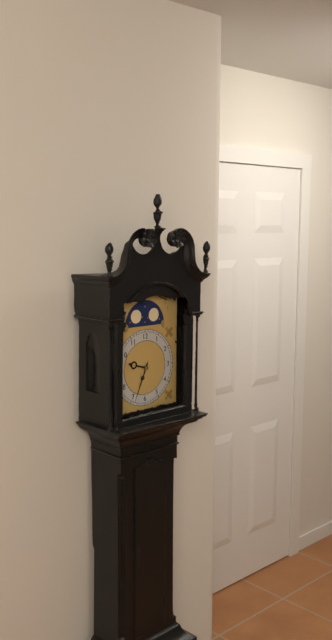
9:34
